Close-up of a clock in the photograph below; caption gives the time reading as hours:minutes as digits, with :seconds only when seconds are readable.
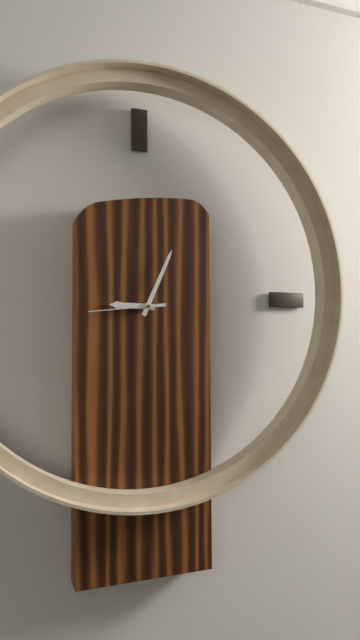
9:04:44
